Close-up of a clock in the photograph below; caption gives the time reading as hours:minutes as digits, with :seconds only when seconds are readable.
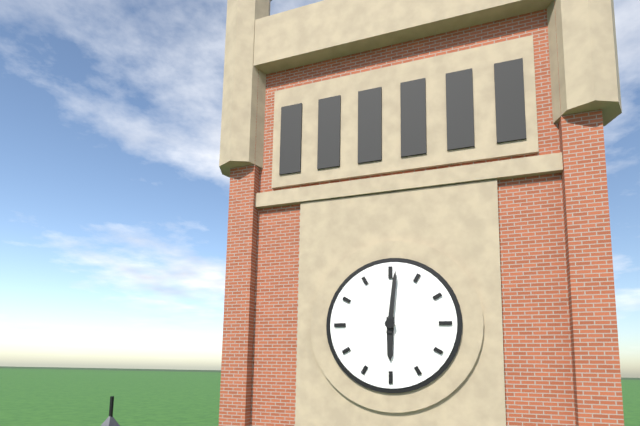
6:01
